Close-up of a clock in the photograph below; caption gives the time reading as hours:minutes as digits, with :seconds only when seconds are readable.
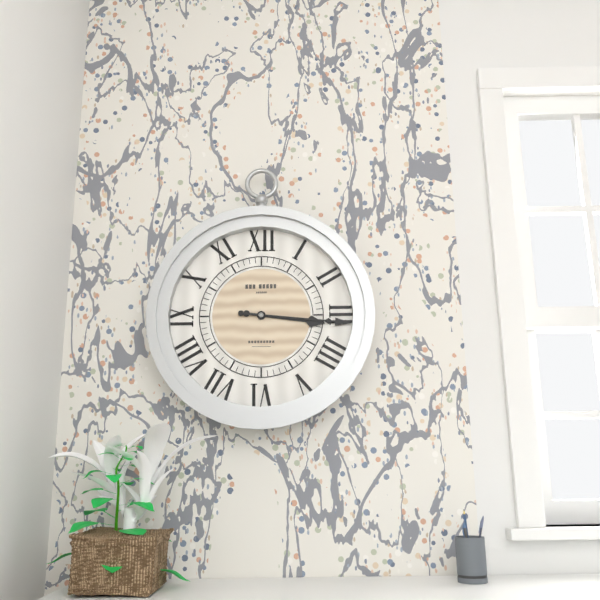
3:16
